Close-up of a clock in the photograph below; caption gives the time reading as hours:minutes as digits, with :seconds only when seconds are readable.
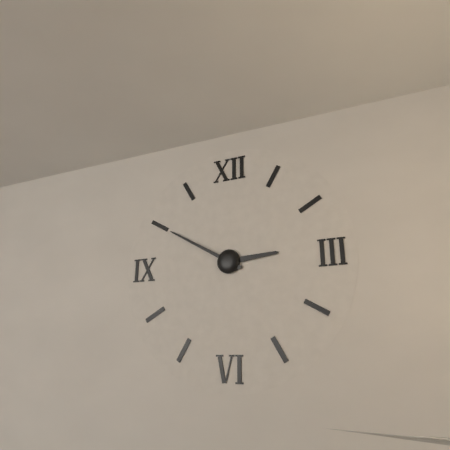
2:50
